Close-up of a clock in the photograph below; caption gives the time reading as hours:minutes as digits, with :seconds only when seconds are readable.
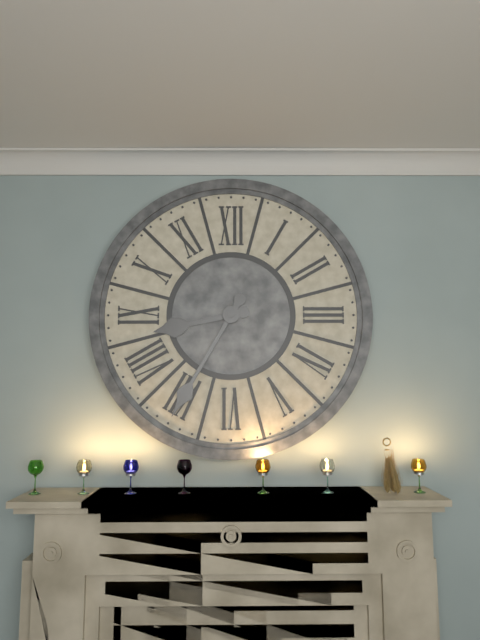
8:35
